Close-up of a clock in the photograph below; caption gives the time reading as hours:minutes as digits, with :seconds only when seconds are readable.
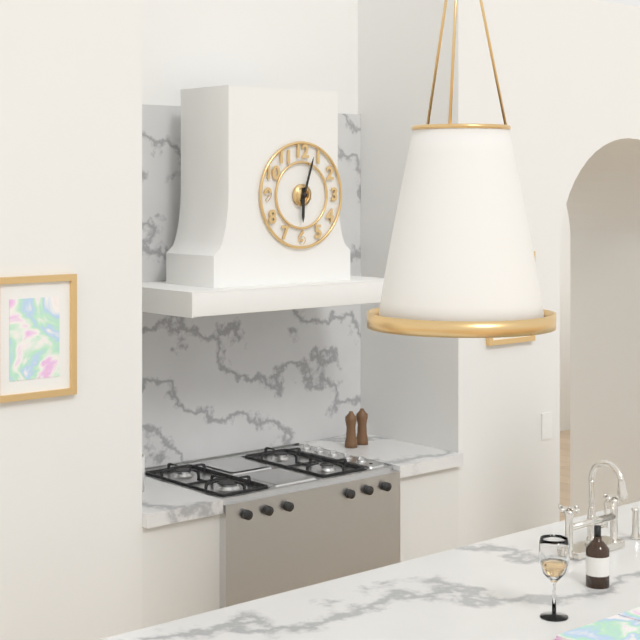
6:03
